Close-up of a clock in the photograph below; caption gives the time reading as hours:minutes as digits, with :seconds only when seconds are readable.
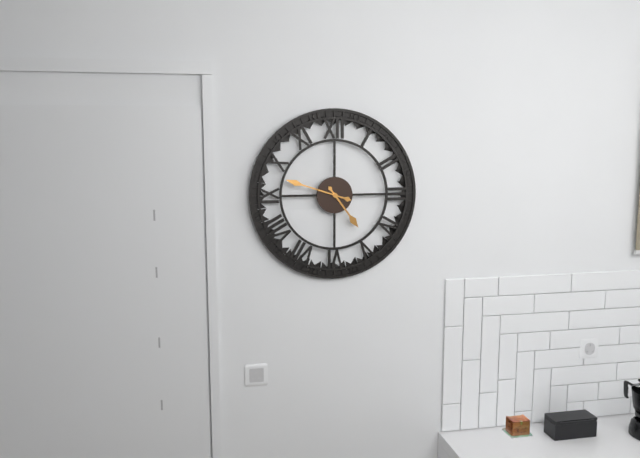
4:48
